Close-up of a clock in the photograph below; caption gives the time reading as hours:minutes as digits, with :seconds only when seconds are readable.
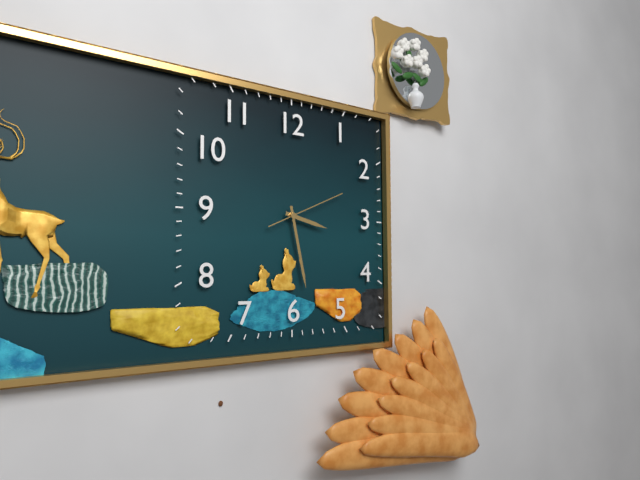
3:28:11
